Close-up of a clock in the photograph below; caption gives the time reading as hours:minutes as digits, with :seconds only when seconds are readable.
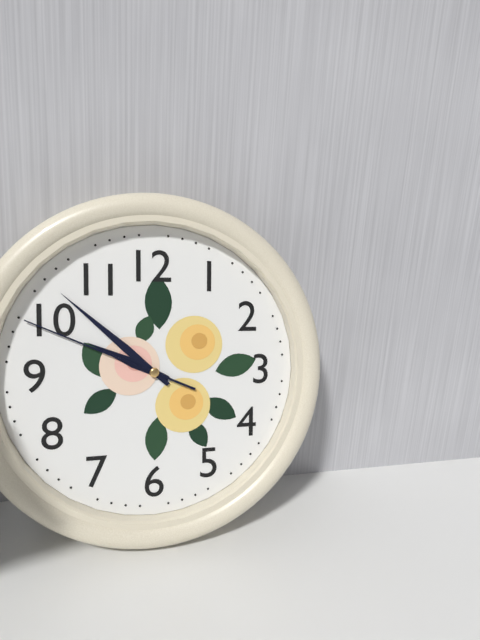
9:52:49
